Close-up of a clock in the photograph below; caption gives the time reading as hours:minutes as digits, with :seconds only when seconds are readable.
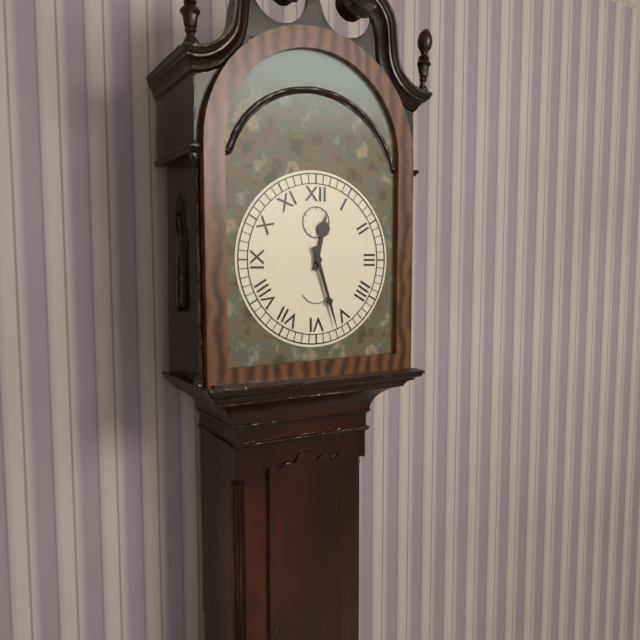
12:27
